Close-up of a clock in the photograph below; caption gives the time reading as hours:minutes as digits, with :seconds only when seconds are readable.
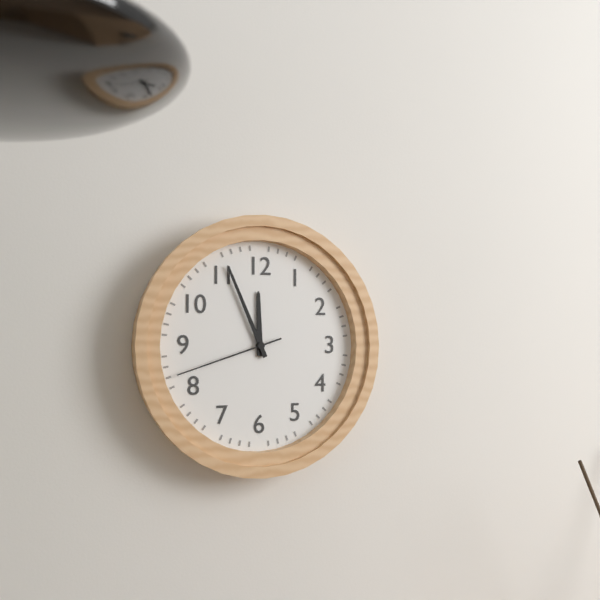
11:56:42
